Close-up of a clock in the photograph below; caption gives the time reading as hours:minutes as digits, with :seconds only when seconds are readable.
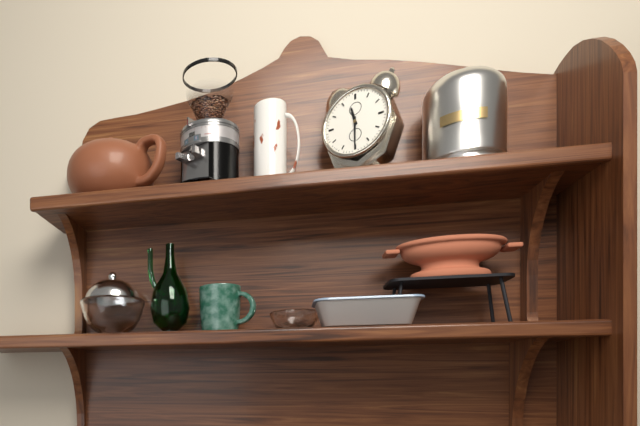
11:30
